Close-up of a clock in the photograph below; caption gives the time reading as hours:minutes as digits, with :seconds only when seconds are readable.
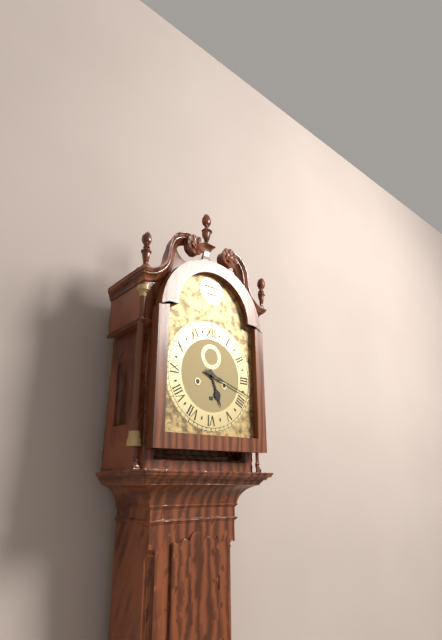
5:18
